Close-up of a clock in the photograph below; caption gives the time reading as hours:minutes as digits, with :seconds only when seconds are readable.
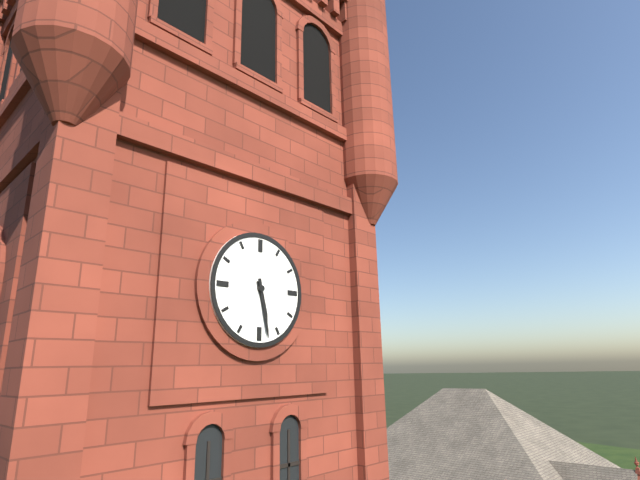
5:28
